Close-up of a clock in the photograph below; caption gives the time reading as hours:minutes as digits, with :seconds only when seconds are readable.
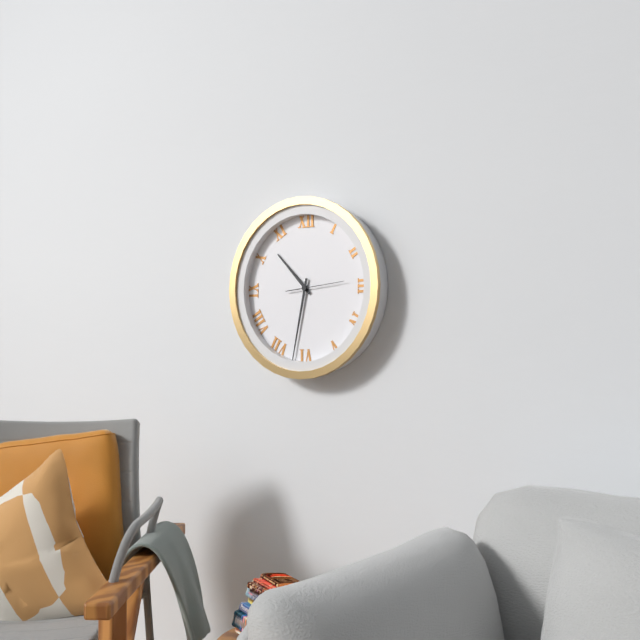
10:32:14
